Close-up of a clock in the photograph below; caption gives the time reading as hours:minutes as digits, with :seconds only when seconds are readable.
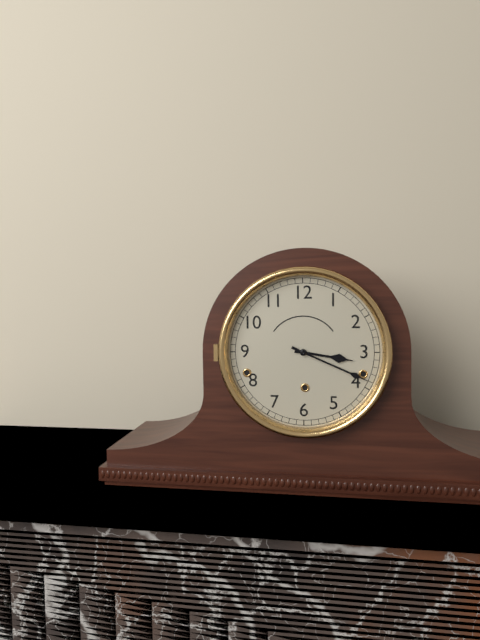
3:19
